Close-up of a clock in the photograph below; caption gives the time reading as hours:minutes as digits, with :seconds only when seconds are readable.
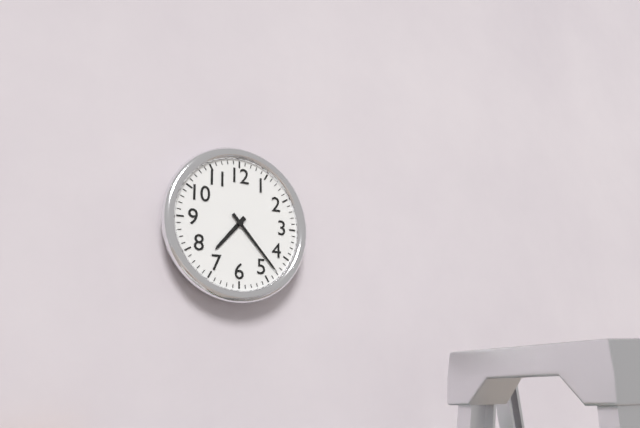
7:23
